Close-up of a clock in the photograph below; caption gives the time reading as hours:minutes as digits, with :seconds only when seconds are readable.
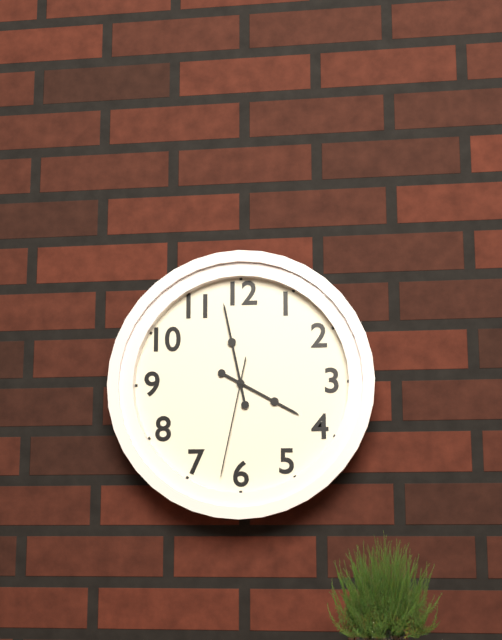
3:58:32
